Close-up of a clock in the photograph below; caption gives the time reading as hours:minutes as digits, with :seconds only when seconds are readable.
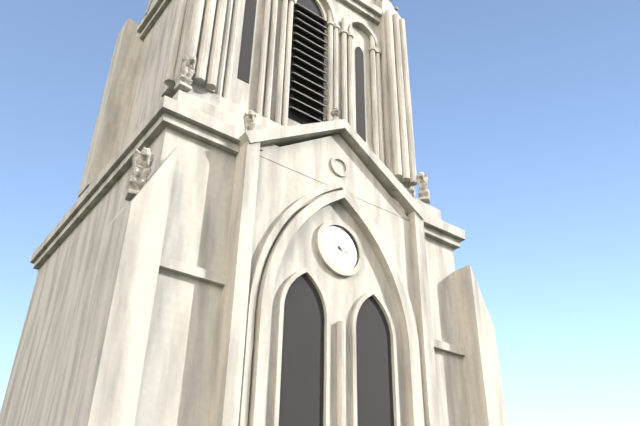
3:22
